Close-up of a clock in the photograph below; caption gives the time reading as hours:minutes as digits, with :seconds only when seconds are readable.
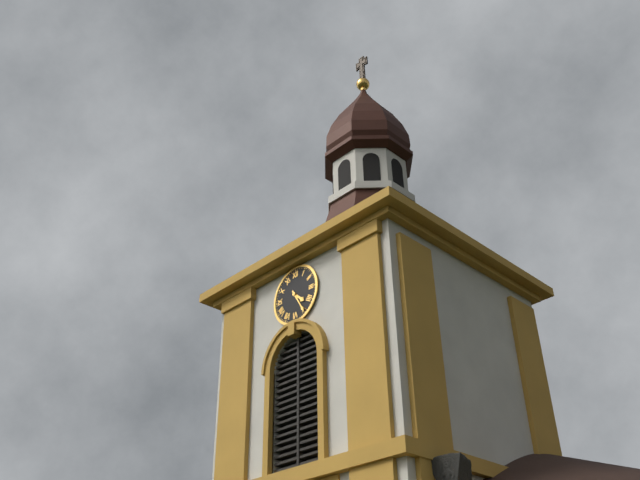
4:25
